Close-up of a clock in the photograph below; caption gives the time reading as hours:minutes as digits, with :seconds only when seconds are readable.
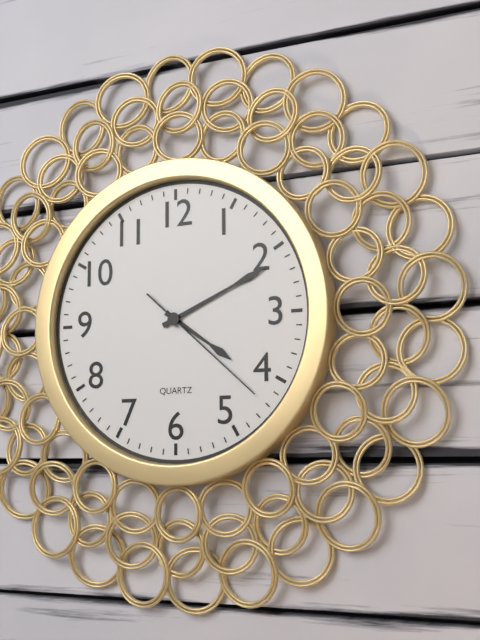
4:11:22
